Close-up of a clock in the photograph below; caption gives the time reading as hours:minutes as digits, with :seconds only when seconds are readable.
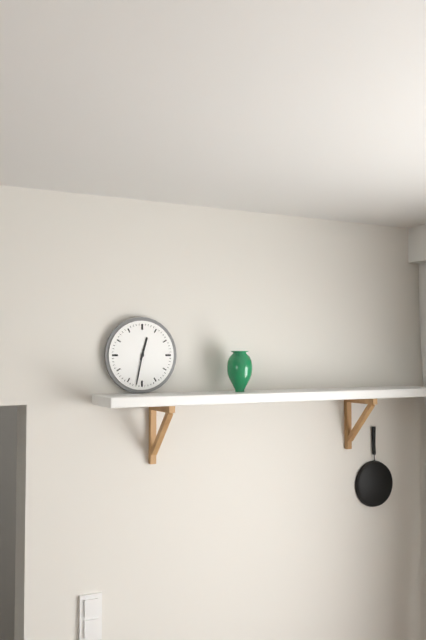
12:32
